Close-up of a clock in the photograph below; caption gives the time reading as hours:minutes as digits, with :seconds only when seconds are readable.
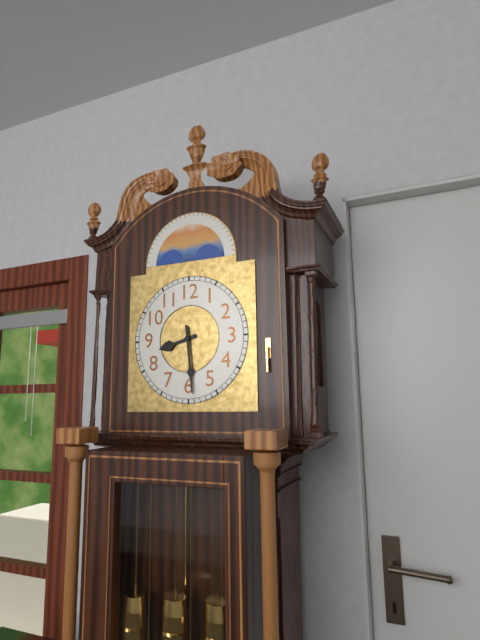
8:29
